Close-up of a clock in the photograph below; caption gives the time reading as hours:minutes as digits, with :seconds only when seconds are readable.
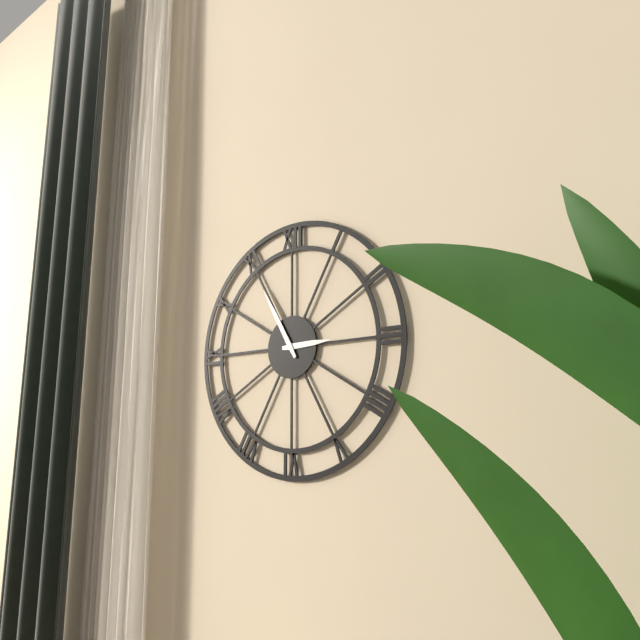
2:55
